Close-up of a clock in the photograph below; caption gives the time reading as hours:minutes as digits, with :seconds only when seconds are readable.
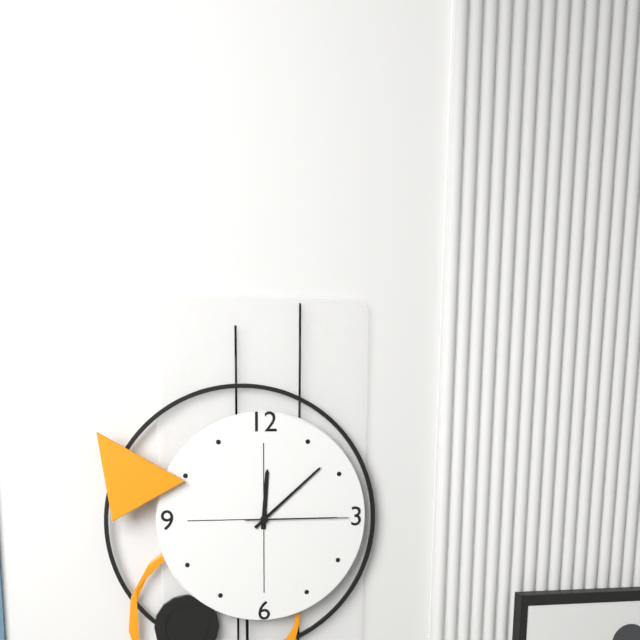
12:08:15
